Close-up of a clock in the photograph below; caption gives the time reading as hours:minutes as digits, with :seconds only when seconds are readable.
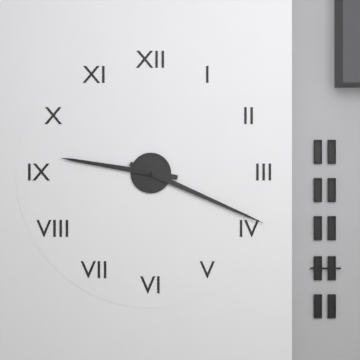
9:19
